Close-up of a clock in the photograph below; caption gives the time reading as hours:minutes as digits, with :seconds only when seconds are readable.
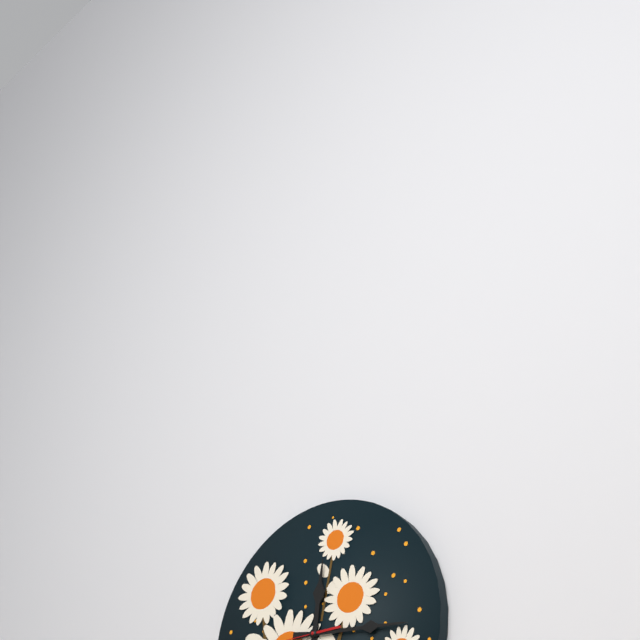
12:16
